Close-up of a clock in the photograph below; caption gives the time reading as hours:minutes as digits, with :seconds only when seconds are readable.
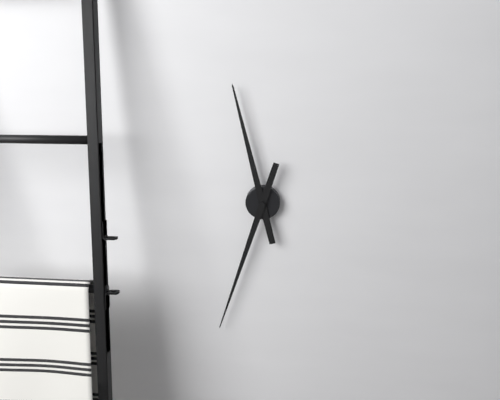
11:33
